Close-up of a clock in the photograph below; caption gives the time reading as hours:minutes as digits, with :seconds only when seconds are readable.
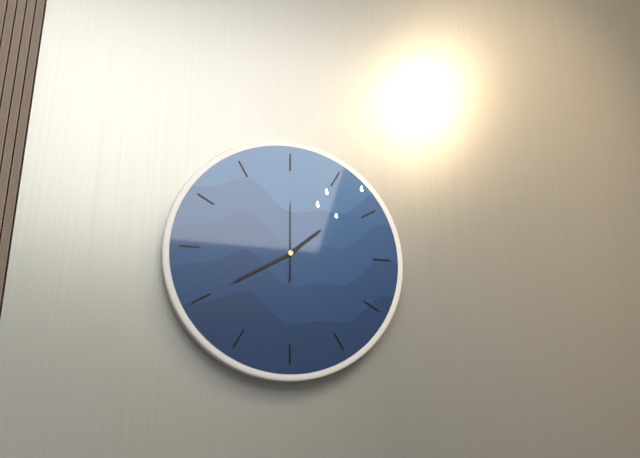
1:40:00
